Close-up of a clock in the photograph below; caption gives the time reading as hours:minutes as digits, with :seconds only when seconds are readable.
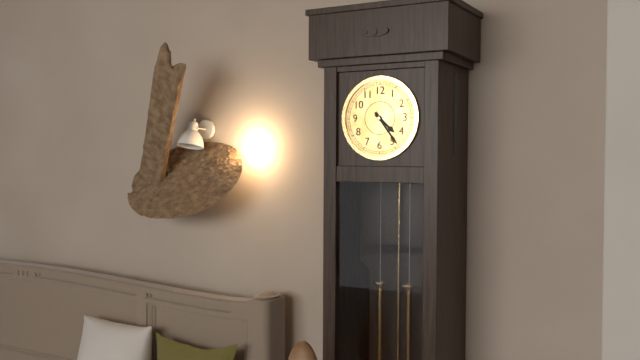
4:24
